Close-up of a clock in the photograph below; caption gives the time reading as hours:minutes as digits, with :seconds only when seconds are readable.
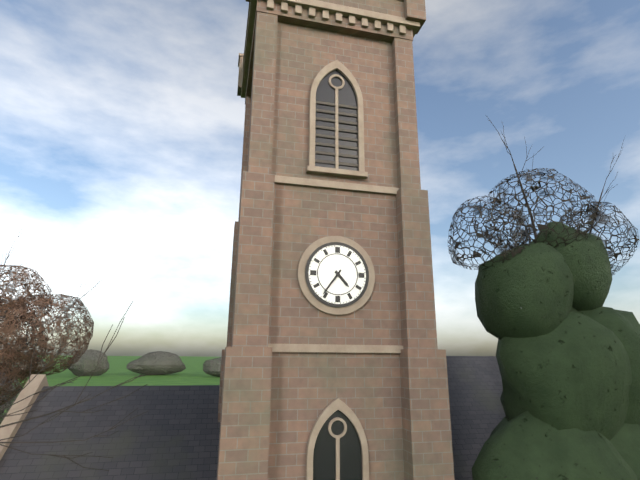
4:36
